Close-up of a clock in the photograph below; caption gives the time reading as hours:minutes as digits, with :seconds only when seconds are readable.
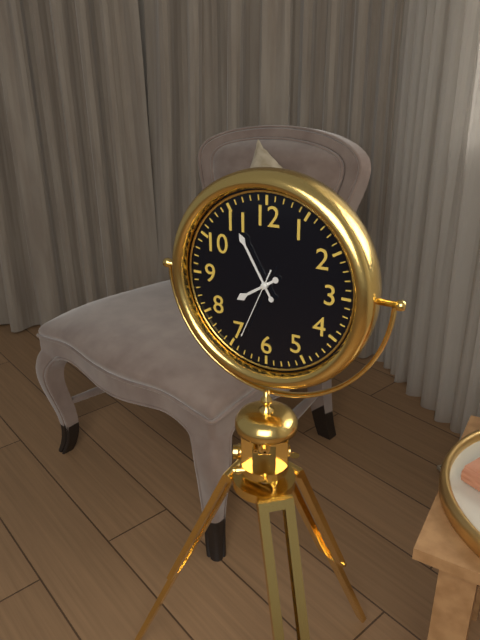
7:55:34
